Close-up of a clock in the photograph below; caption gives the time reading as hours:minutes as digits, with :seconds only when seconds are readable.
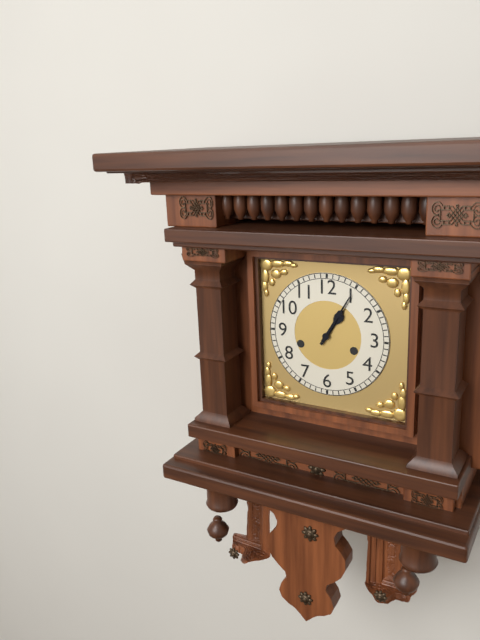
1:05
